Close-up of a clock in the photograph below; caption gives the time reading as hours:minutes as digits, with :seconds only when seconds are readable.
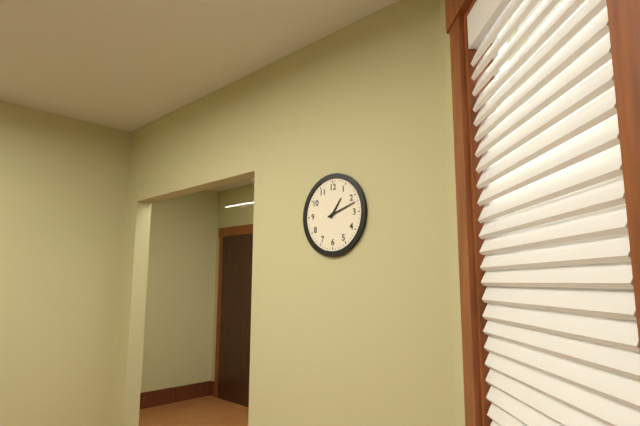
1:12
